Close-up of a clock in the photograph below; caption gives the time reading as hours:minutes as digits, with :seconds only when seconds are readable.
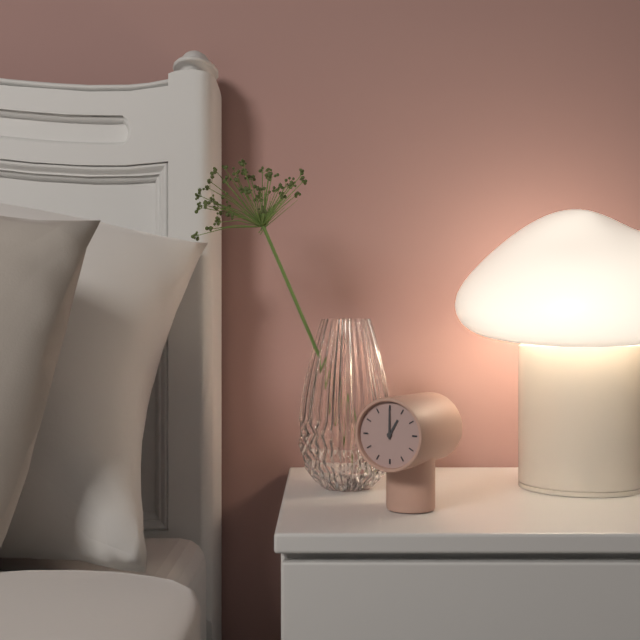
1:00
